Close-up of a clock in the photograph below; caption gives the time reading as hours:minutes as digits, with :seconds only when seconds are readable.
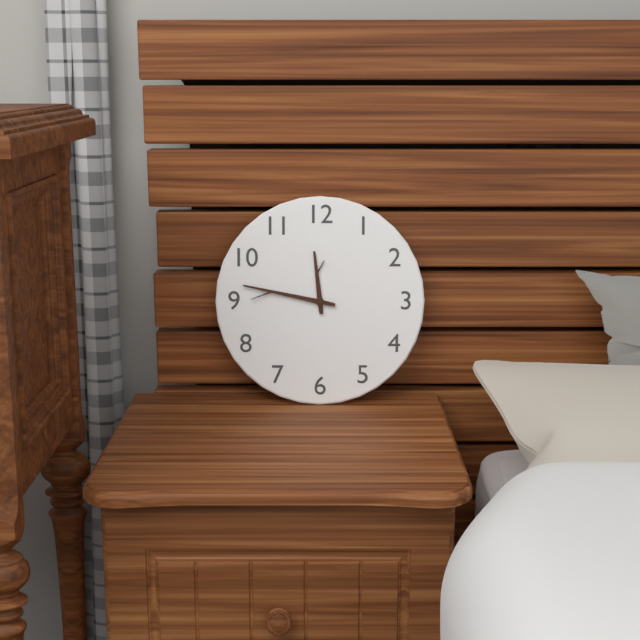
11:47
